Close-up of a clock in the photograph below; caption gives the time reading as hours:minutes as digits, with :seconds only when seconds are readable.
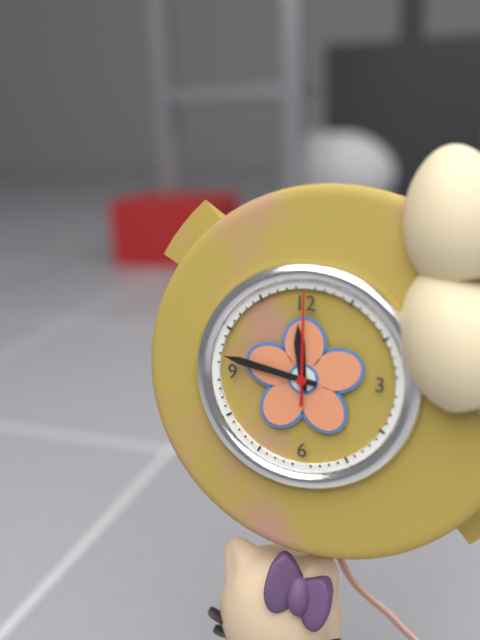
11:47:00
